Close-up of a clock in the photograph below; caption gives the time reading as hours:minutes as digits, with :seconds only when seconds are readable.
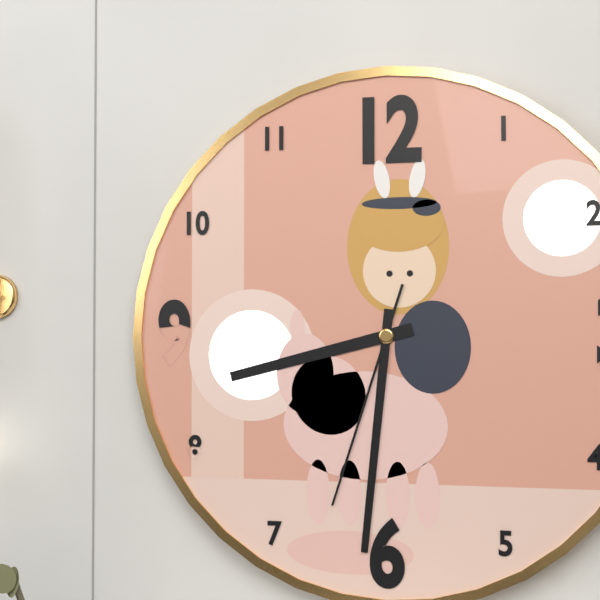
8:31:33
